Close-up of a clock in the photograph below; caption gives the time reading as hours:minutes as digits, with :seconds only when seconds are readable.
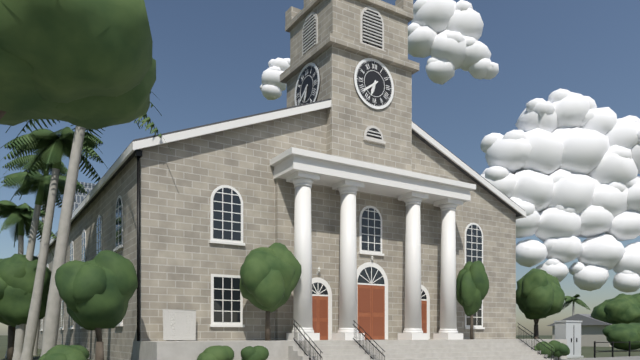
6:39
